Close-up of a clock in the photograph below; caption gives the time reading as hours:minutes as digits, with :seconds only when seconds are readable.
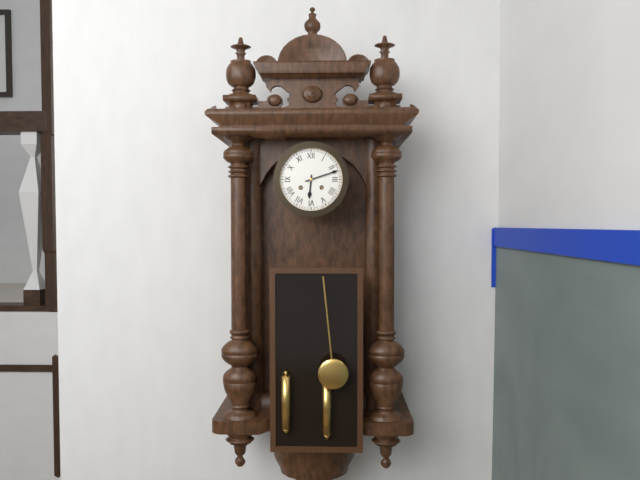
6:12
